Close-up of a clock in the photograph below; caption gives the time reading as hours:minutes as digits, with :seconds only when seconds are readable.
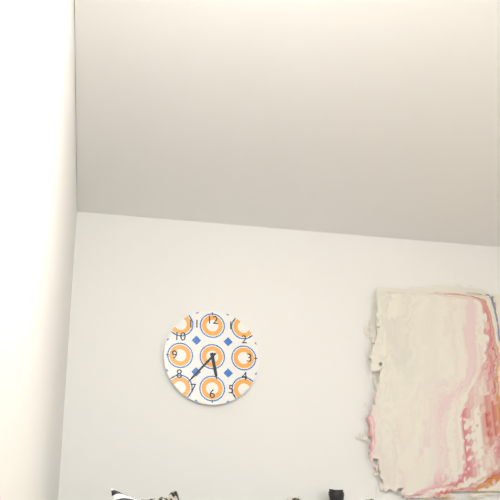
5:37
